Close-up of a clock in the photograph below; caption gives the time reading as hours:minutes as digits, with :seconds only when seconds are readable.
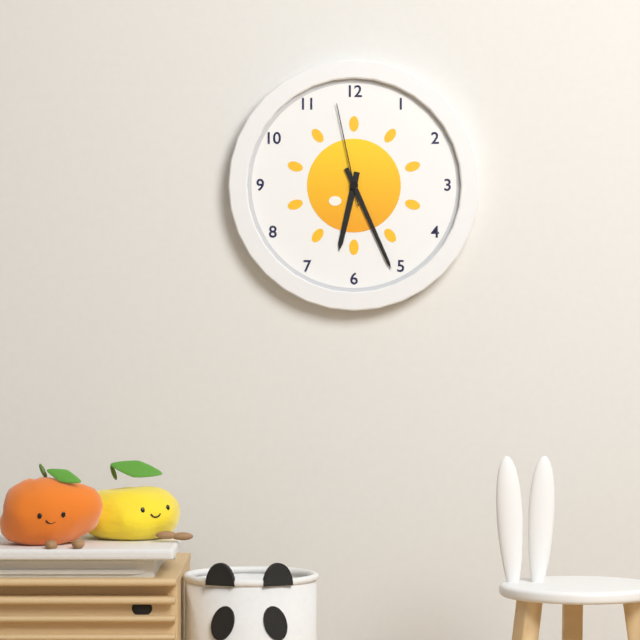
6:26:58
